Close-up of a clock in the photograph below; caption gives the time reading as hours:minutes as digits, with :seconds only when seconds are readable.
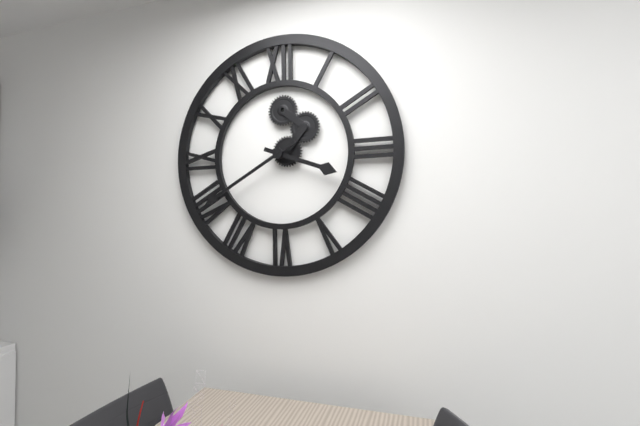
3:40
